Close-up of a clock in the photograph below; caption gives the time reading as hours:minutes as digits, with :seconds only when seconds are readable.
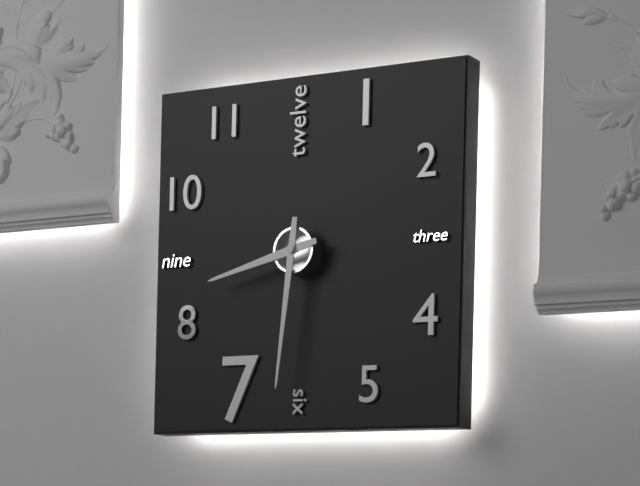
8:31
